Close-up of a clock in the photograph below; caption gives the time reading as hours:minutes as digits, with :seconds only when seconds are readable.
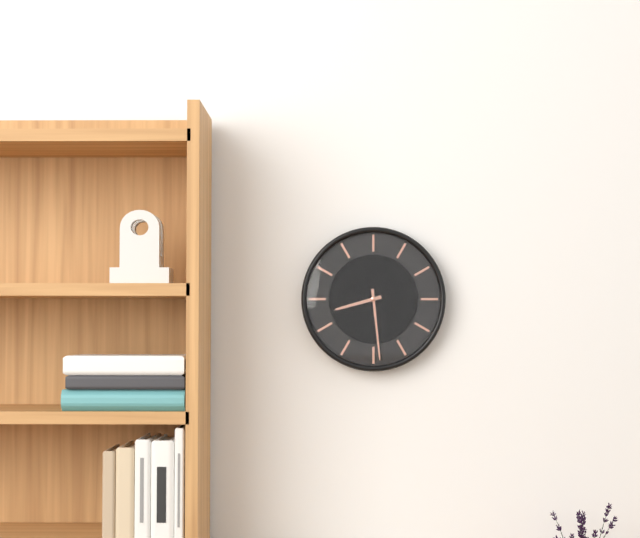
8:29
